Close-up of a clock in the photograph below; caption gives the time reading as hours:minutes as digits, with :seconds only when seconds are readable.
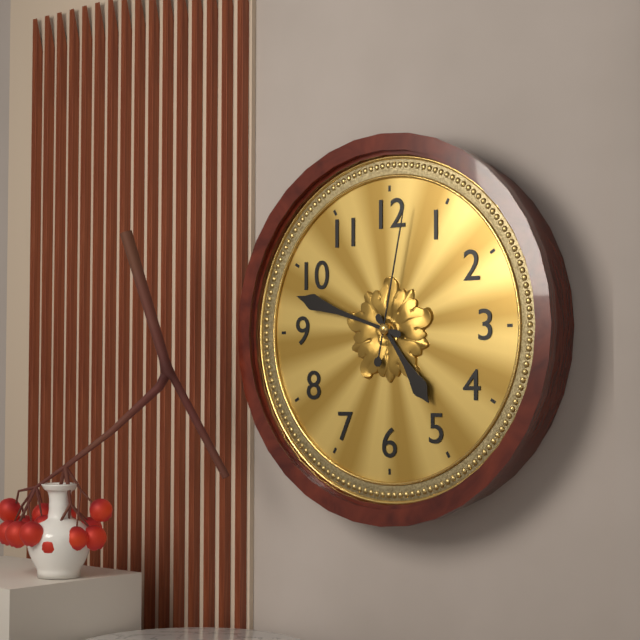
4:48:02
